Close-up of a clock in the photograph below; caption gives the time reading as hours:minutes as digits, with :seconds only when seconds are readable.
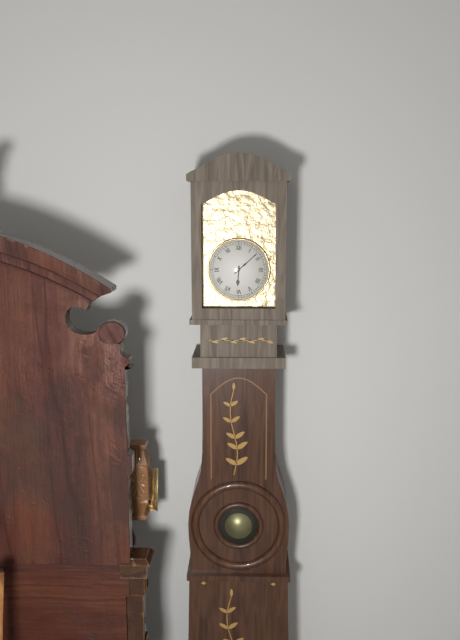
6:08
